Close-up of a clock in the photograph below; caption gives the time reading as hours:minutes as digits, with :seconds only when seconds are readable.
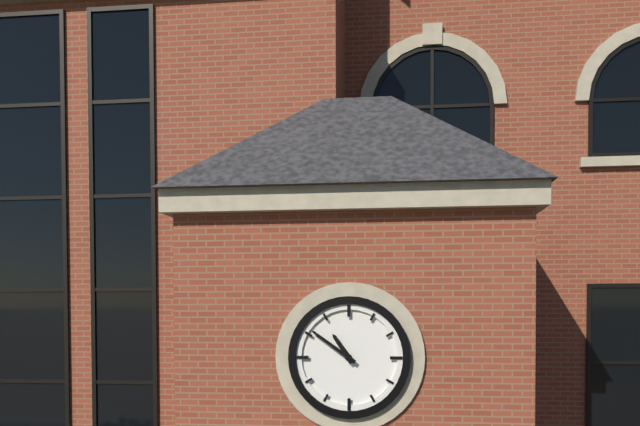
10:51
